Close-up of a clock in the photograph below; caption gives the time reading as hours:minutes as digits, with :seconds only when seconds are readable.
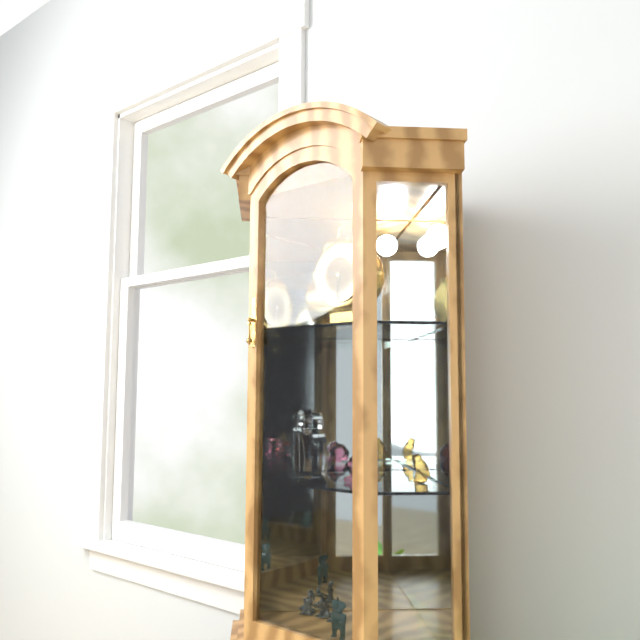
9:31
